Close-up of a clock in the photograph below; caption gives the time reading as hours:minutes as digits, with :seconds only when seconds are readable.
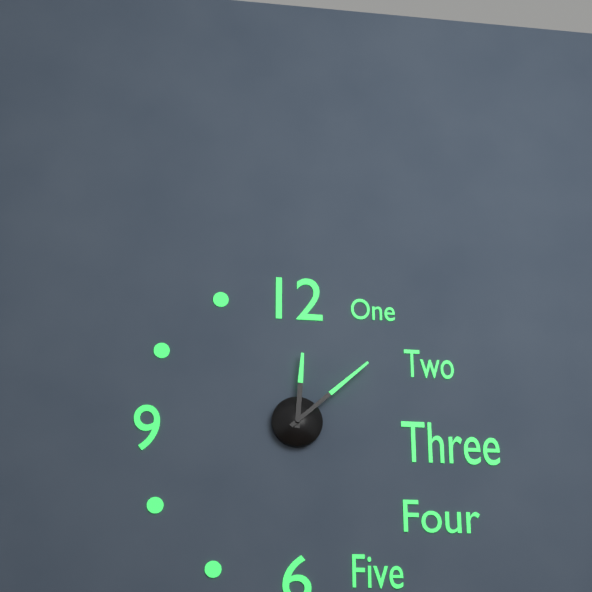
12:08
